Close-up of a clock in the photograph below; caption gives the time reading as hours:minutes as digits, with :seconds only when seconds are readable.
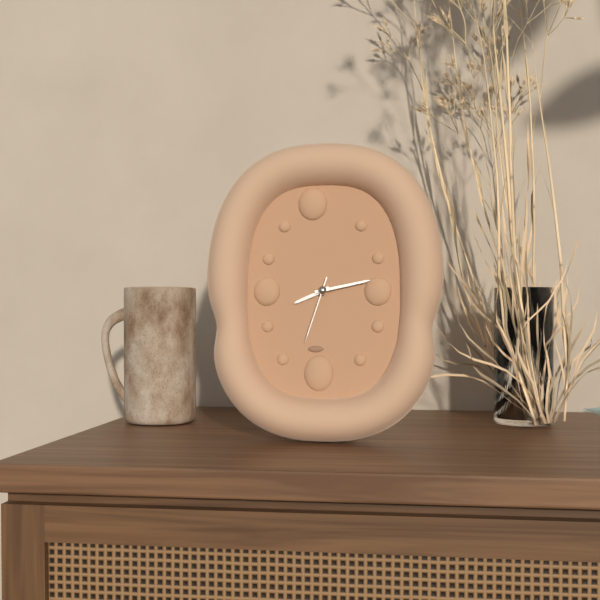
8:13:33
